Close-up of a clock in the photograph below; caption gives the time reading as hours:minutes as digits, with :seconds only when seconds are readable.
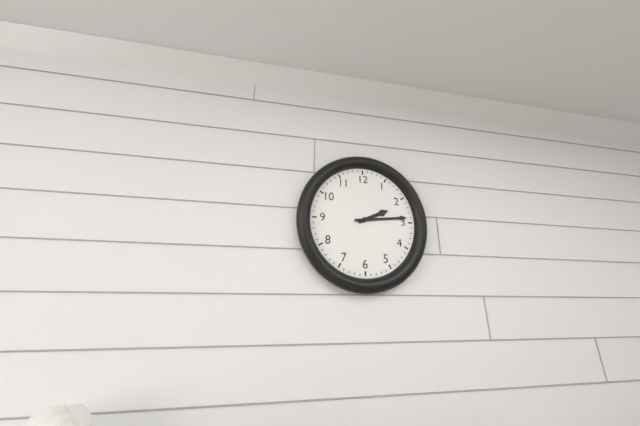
2:14
